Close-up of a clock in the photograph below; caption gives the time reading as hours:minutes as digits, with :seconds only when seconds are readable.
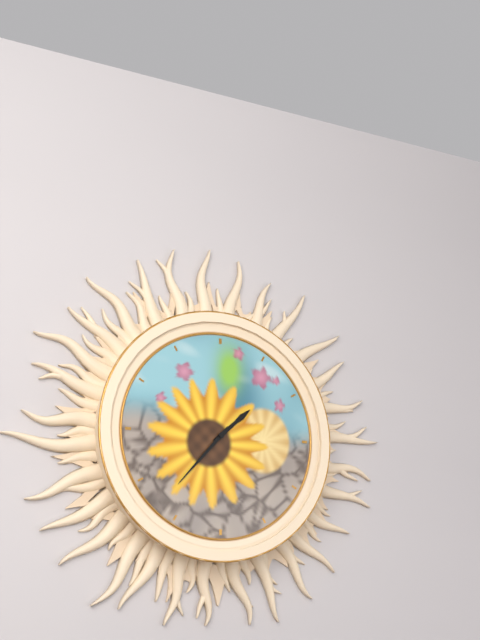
1:37
